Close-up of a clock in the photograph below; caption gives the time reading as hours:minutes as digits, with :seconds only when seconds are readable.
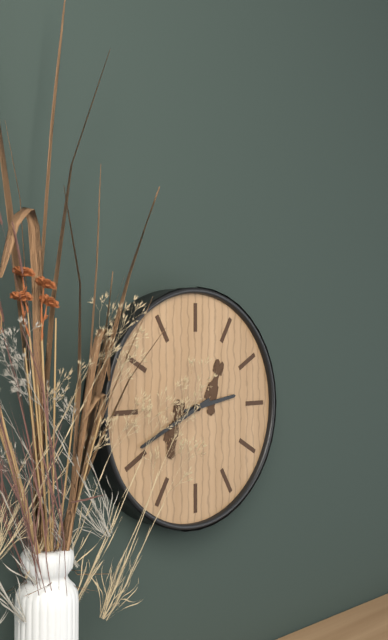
2:41
